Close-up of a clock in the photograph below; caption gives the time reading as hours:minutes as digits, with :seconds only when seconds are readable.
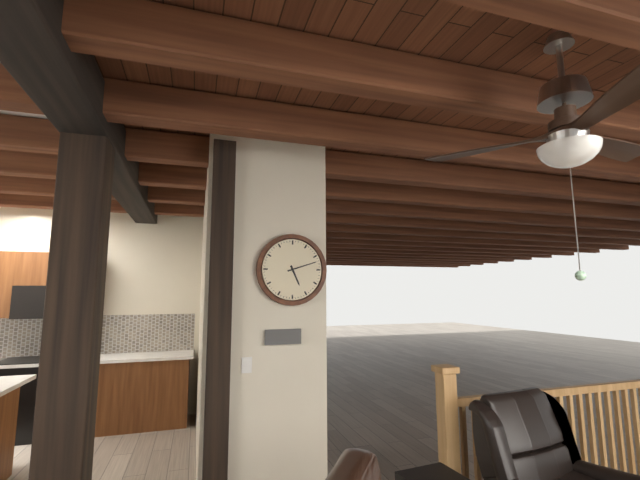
5:12
